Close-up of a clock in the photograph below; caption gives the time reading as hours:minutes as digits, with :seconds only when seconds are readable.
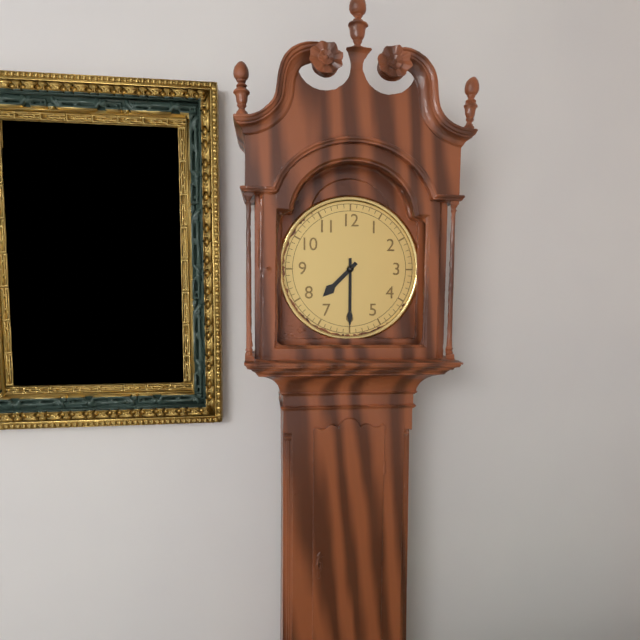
7:30
